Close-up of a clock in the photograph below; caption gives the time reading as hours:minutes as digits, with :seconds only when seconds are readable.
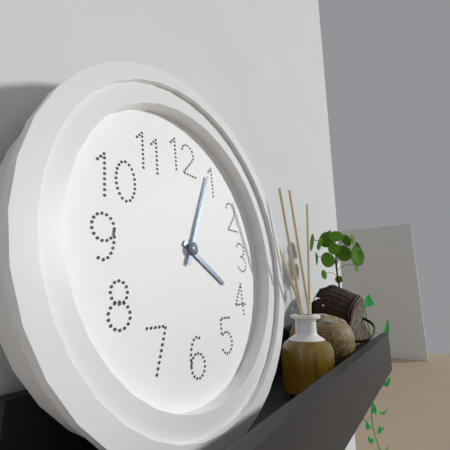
4:04
